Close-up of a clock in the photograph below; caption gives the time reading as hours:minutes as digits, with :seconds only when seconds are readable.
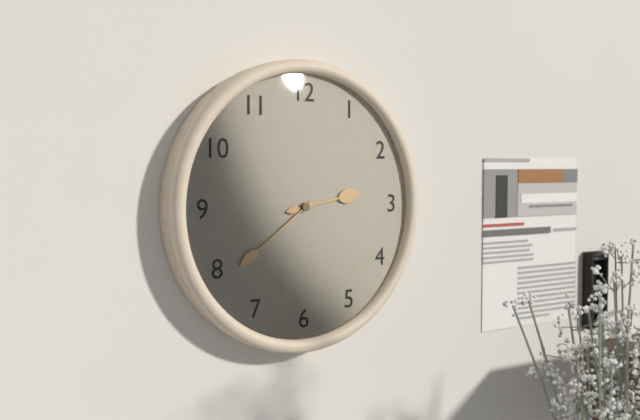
2:39
